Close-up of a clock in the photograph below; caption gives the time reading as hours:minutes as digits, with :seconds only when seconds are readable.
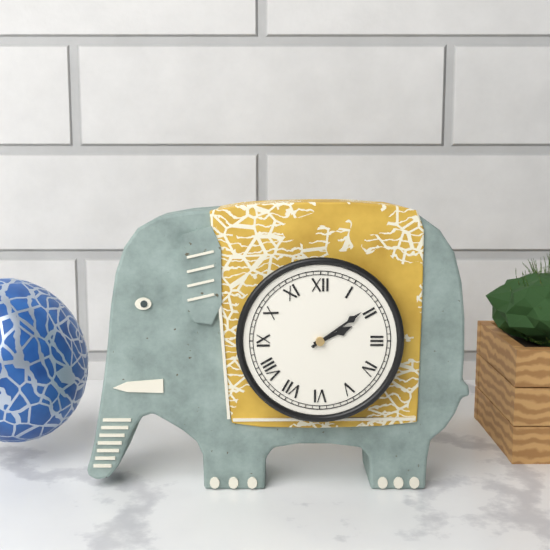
2:09
